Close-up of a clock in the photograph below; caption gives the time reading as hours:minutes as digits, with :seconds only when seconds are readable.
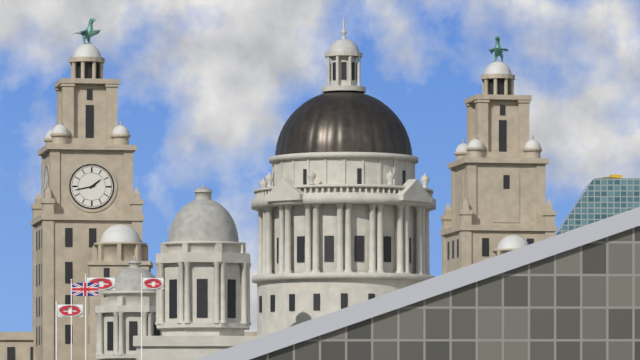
1:43
